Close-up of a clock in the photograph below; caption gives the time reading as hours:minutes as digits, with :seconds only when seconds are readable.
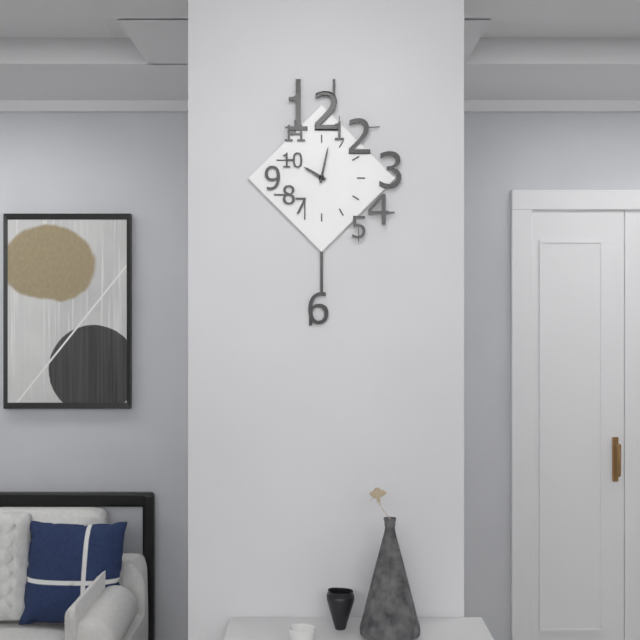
10:02
